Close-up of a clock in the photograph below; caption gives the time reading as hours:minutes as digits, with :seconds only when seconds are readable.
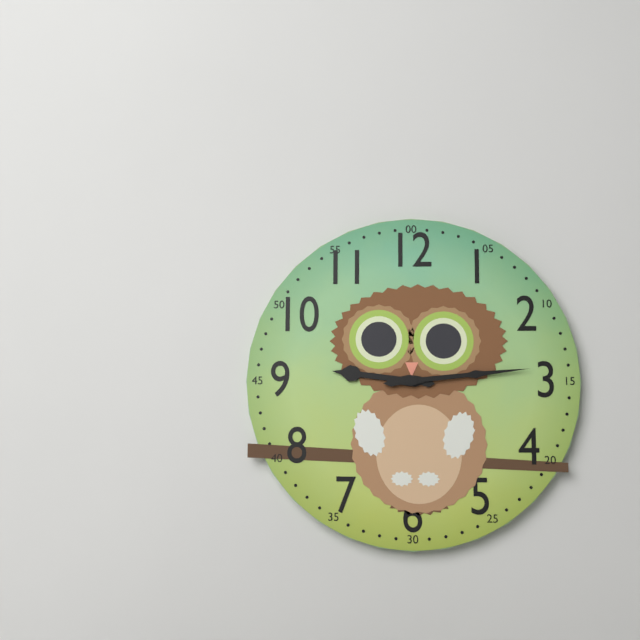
9:14
